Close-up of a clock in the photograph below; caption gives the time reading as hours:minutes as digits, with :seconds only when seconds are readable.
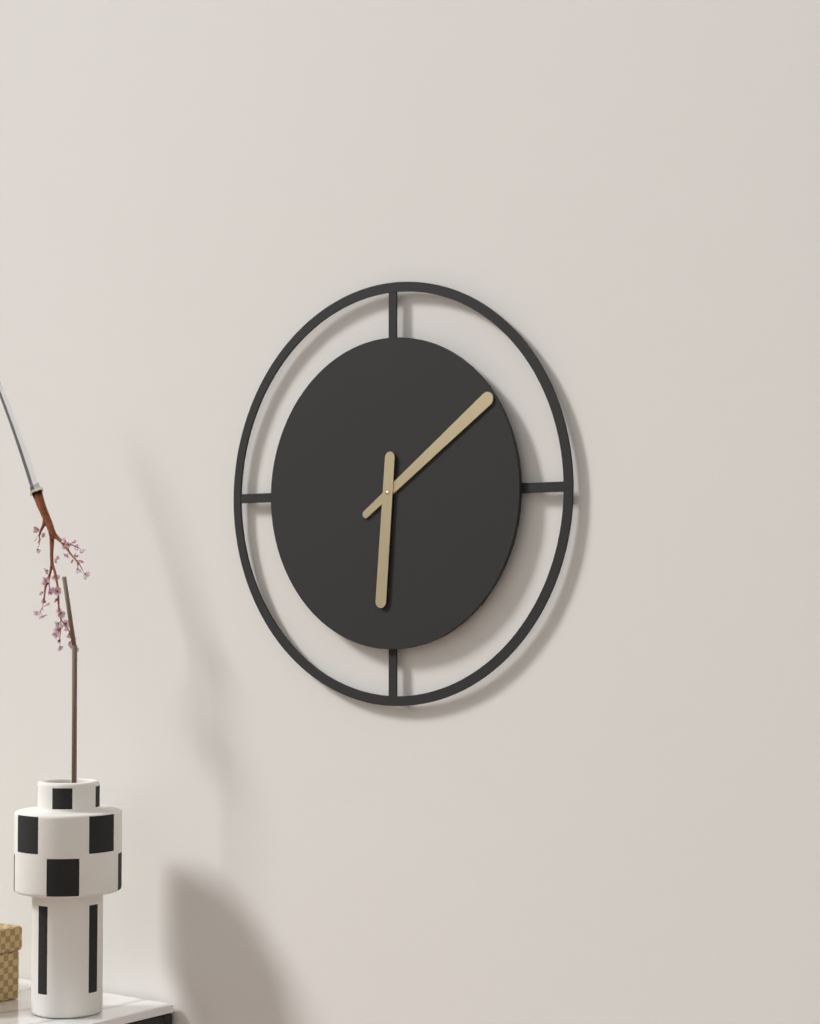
6:09
